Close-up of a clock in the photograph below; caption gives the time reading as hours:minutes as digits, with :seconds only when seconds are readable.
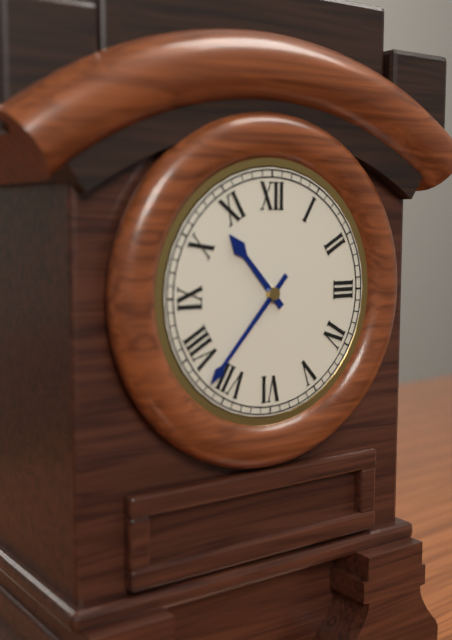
10:37
